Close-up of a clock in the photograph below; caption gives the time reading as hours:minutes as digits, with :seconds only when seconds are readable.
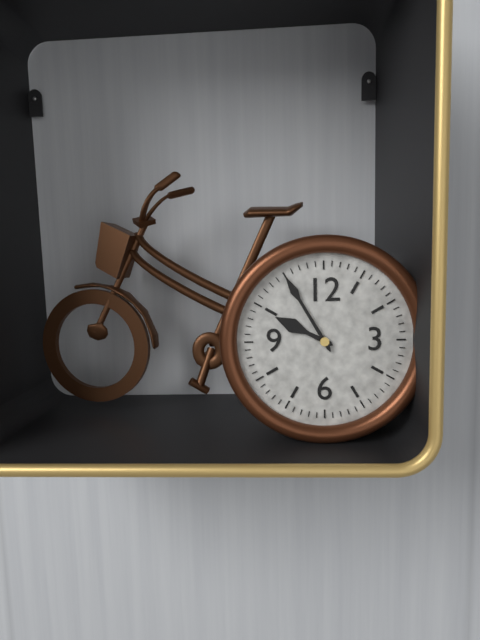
9:55
